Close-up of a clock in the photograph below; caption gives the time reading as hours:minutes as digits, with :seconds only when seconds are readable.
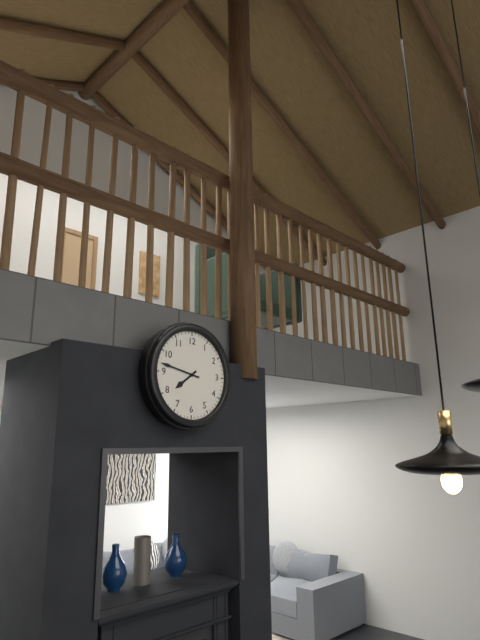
7:47
